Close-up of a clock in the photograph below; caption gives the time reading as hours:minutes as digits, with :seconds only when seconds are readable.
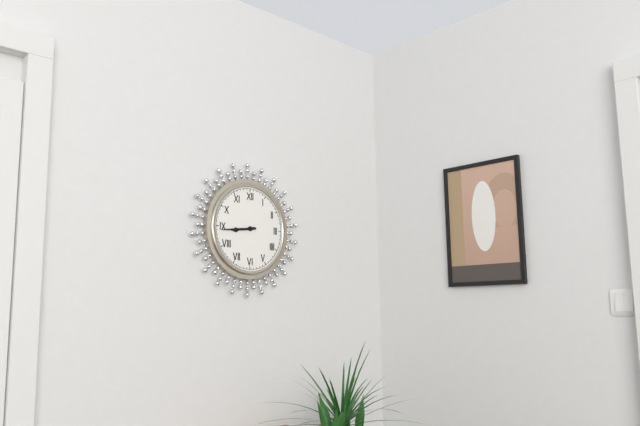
8:44
